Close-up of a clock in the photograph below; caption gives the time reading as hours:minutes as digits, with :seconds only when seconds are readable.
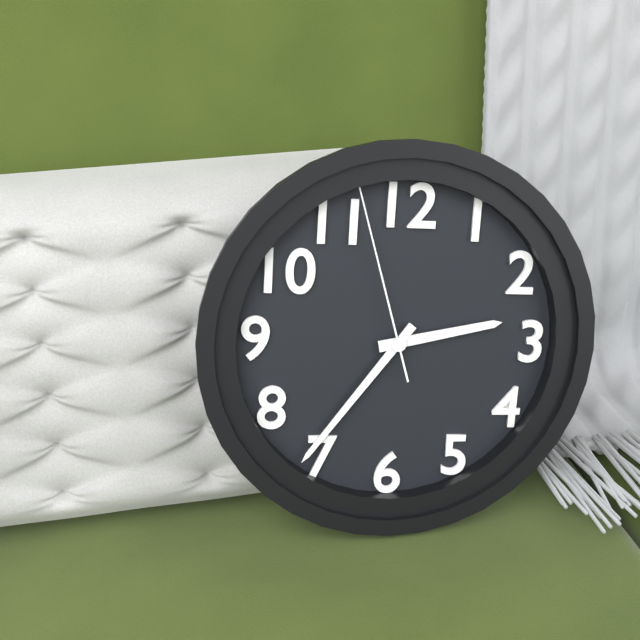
2:36:57
